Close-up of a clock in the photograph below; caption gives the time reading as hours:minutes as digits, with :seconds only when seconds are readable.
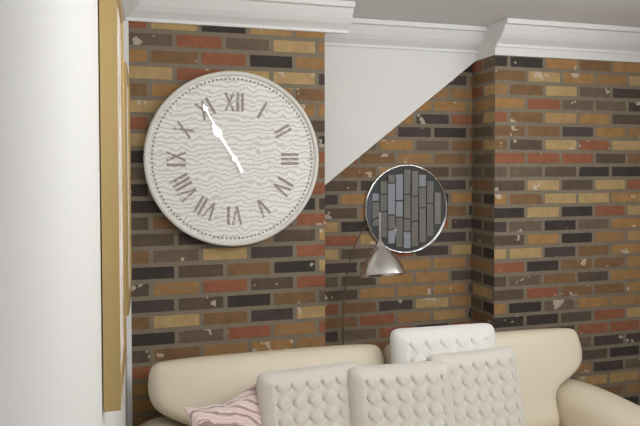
10:55
